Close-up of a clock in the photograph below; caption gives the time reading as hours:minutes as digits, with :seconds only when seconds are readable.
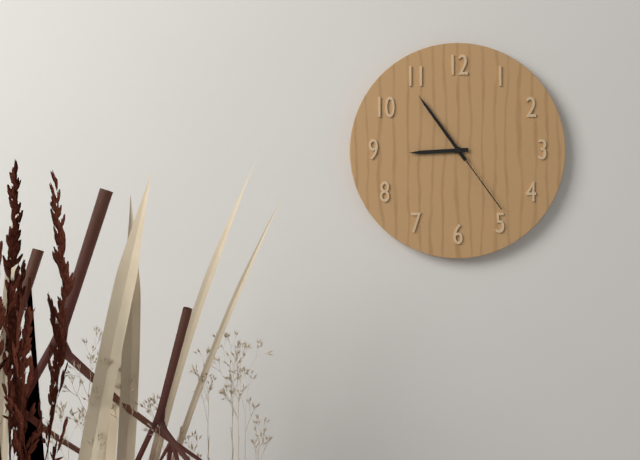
8:54:24
